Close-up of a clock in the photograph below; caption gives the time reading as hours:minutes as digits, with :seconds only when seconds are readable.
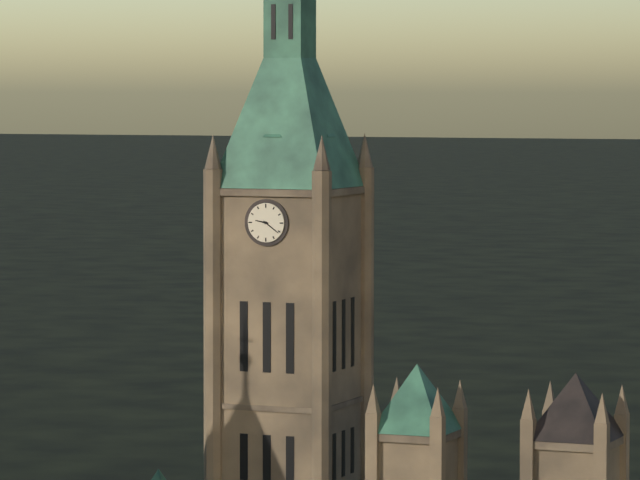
9:21
